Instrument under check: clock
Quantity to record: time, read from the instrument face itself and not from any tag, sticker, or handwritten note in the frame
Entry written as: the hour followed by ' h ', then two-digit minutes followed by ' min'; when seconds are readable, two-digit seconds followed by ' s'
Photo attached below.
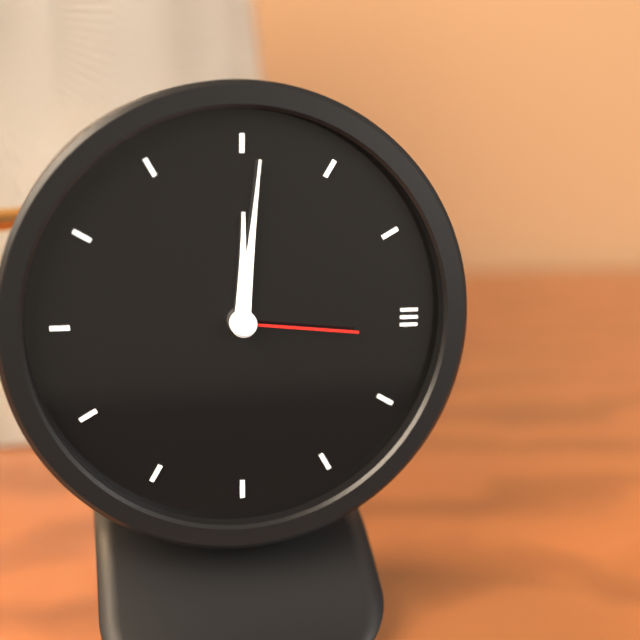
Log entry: 12 h 01 min 16 s
